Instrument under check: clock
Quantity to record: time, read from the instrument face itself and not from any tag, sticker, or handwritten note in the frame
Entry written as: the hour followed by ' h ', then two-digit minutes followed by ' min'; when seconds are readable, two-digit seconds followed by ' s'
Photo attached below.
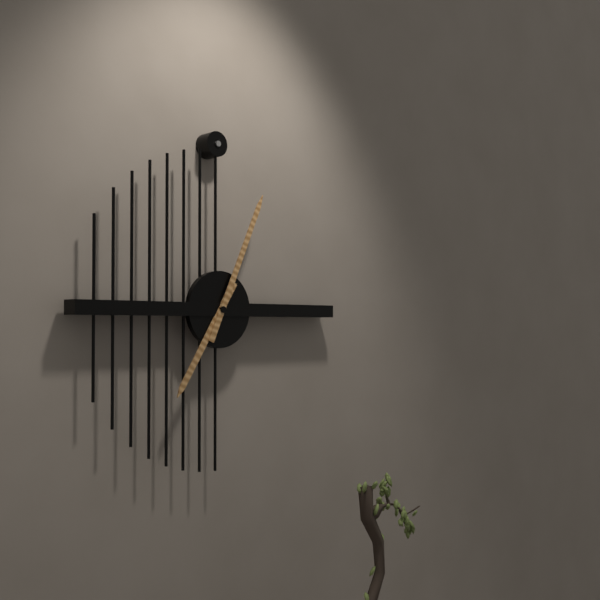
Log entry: 7 h 04 min
